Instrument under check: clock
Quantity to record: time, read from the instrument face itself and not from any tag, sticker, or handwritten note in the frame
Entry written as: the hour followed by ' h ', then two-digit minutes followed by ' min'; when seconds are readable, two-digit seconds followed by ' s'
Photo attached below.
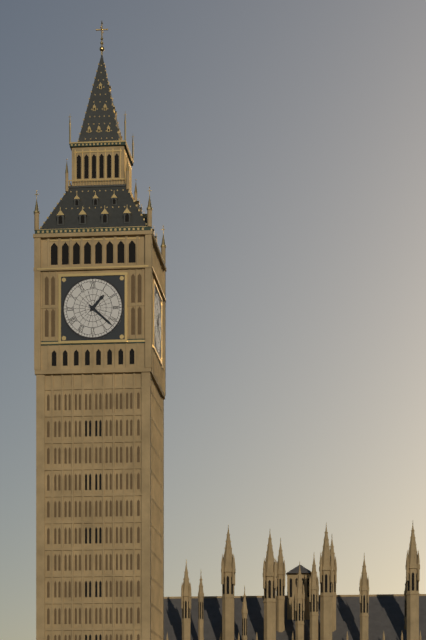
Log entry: 1 h 22 min
